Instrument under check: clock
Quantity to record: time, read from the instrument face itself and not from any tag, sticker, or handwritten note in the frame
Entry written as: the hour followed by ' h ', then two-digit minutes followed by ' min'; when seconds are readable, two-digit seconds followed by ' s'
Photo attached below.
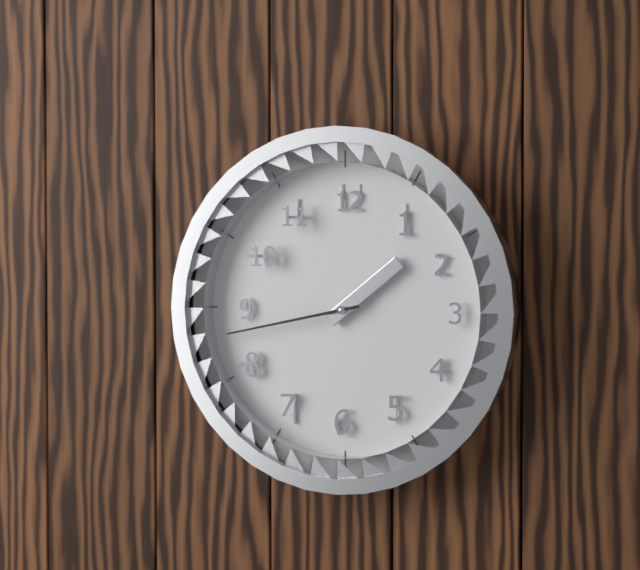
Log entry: 1 h 43 min
